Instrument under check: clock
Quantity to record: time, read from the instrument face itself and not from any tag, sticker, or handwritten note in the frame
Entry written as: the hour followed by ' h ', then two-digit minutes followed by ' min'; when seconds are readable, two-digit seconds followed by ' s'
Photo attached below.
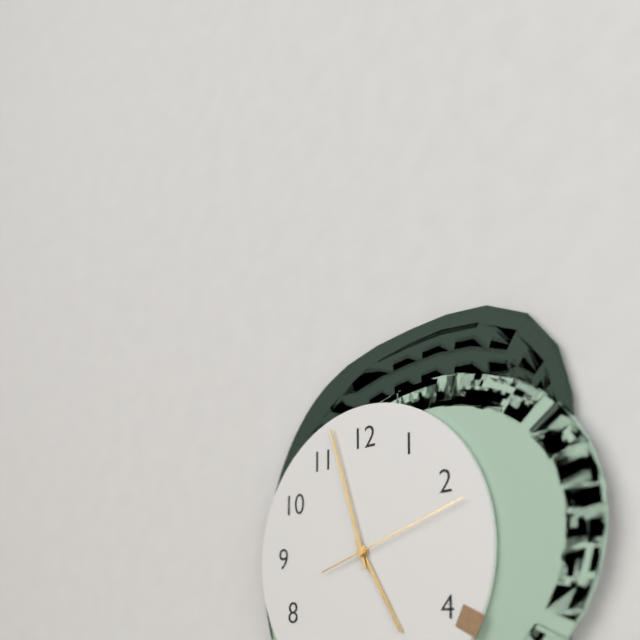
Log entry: 4 h 57 min 12 s
